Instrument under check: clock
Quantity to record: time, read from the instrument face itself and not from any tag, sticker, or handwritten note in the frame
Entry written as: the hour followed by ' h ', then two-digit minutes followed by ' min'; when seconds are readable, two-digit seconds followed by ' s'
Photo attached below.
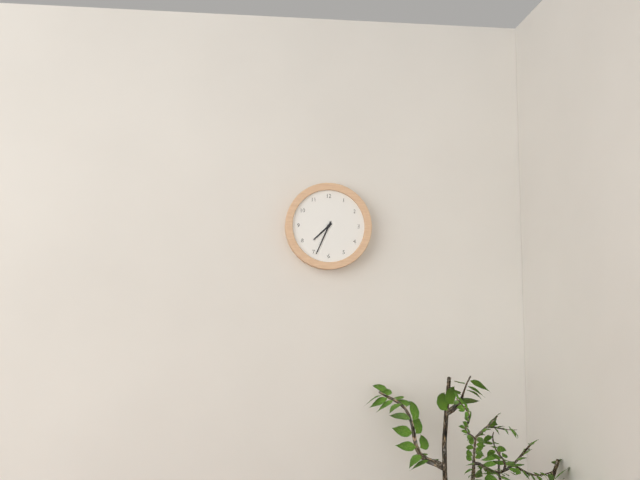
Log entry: 7 h 34 min
